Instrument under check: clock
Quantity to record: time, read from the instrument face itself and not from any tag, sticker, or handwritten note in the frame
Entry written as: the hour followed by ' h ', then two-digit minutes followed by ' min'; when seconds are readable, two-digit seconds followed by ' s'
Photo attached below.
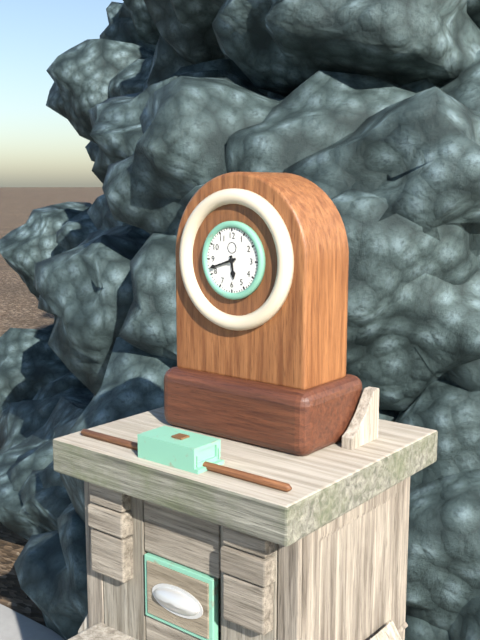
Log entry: 5 h 42 min
